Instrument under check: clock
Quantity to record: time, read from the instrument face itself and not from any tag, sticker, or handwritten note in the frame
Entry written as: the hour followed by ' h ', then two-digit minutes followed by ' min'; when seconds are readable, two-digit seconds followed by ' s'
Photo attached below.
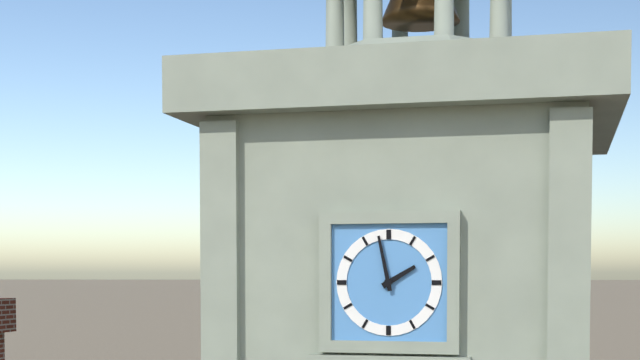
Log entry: 1 h 58 min
